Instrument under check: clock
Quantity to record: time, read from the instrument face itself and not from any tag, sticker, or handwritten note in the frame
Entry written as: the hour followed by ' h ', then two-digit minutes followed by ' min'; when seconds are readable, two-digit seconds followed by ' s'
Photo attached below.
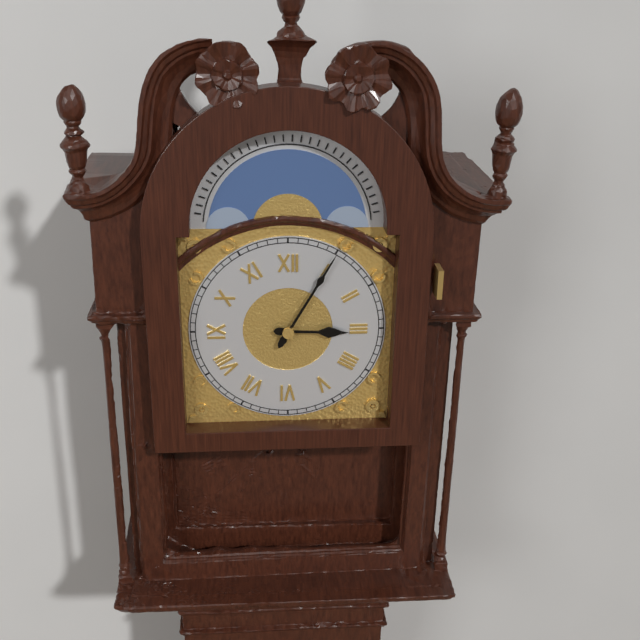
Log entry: 3 h 05 min
